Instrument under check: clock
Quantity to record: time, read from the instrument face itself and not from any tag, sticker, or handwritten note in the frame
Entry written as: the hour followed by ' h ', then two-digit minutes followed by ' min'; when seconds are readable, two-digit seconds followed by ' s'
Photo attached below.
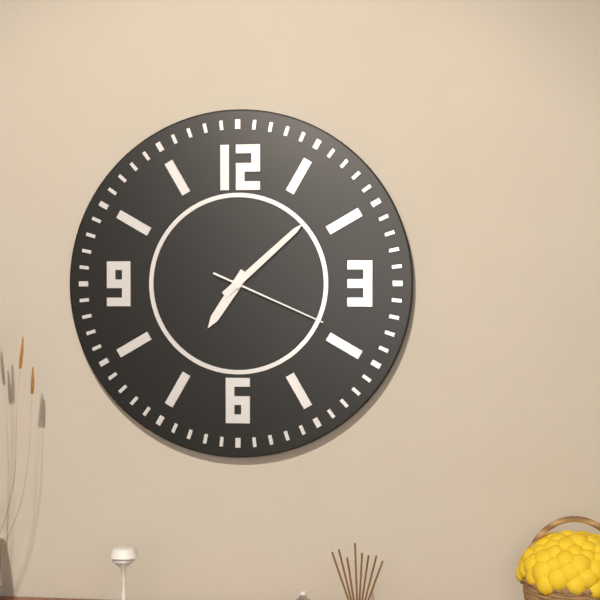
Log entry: 7 h 08 min 19 s
